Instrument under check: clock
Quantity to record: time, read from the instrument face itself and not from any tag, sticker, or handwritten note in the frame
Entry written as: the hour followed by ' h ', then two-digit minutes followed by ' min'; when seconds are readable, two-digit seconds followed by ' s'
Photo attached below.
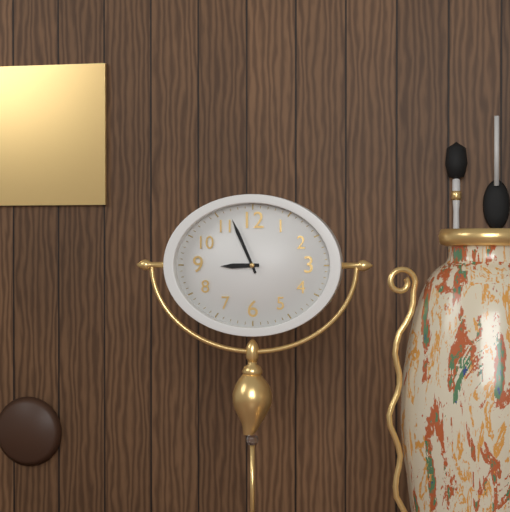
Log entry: 8 h 56 min
